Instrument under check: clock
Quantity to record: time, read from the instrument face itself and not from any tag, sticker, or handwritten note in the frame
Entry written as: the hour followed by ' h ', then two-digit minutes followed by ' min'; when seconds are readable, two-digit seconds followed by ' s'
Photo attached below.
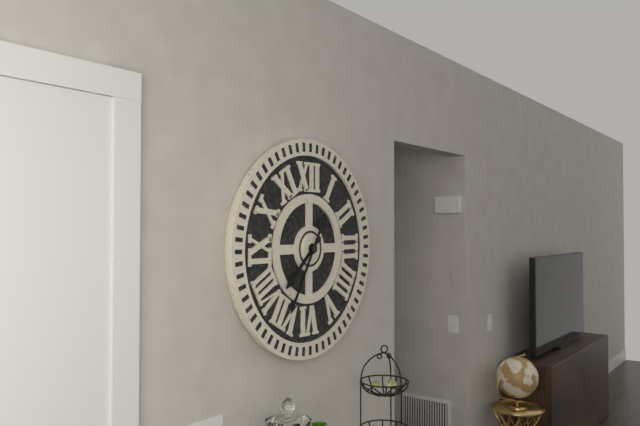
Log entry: 7 h 35 min
